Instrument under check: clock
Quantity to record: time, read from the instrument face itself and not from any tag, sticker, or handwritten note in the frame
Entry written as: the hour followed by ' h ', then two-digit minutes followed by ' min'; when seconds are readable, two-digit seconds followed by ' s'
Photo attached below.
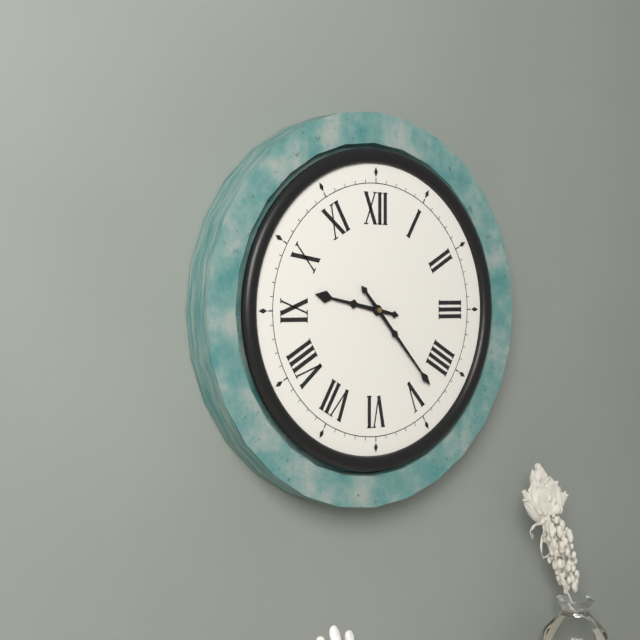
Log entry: 9 h 23 min
